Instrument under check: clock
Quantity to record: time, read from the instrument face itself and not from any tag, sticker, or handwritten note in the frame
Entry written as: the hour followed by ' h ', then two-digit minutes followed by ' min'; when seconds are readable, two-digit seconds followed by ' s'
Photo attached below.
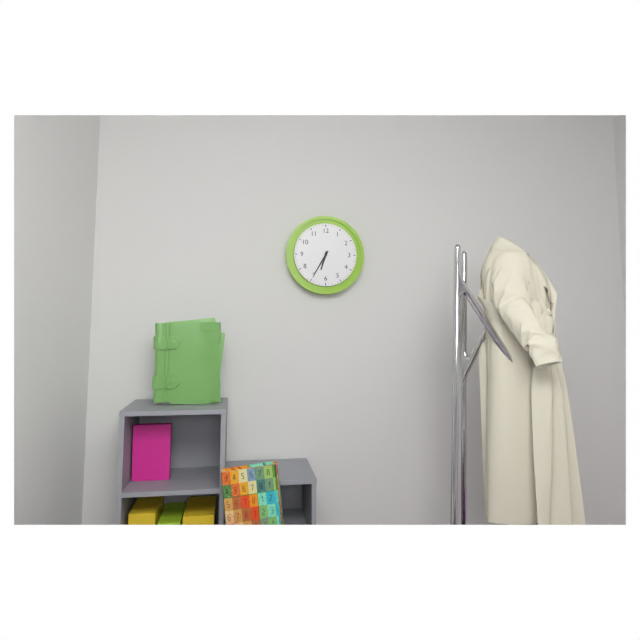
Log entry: 6 h 35 min
